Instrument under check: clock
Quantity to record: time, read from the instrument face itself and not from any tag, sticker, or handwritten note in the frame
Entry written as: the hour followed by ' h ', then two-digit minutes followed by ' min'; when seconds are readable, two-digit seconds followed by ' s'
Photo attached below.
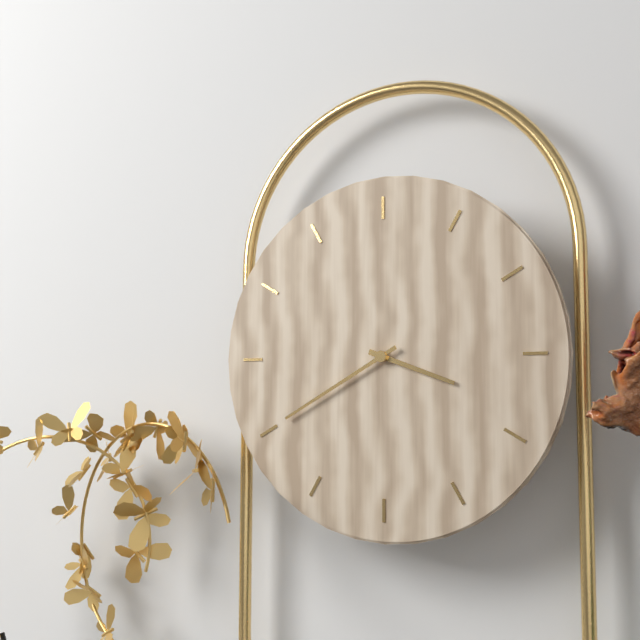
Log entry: 3 h 40 min
